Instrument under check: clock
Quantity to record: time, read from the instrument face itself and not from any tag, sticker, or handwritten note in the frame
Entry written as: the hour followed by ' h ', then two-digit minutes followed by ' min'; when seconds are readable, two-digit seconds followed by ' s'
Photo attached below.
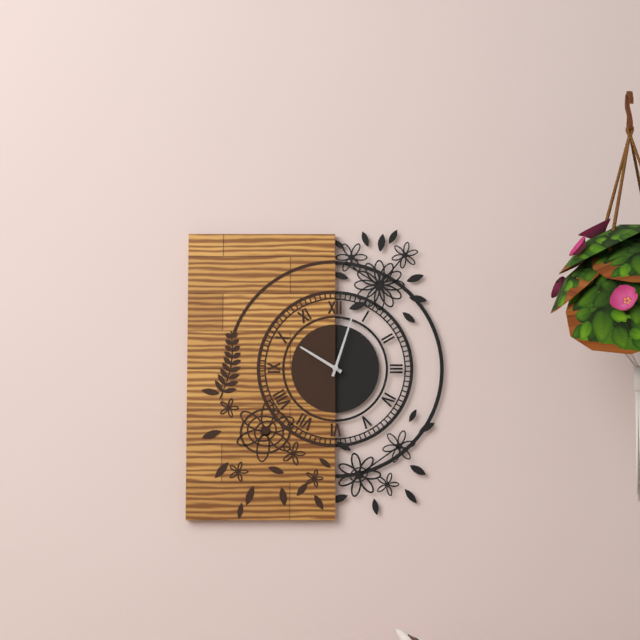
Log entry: 10 h 03 min
